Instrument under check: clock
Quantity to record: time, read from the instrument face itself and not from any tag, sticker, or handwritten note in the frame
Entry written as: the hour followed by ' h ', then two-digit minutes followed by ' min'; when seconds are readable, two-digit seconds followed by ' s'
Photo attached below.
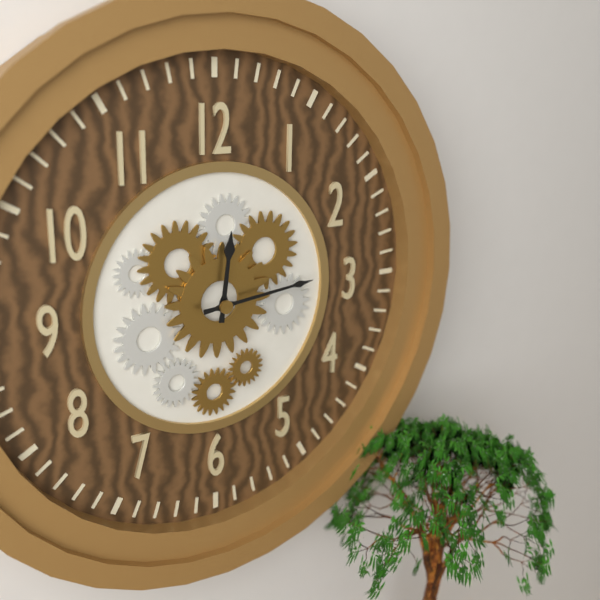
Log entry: 12 h 14 min
